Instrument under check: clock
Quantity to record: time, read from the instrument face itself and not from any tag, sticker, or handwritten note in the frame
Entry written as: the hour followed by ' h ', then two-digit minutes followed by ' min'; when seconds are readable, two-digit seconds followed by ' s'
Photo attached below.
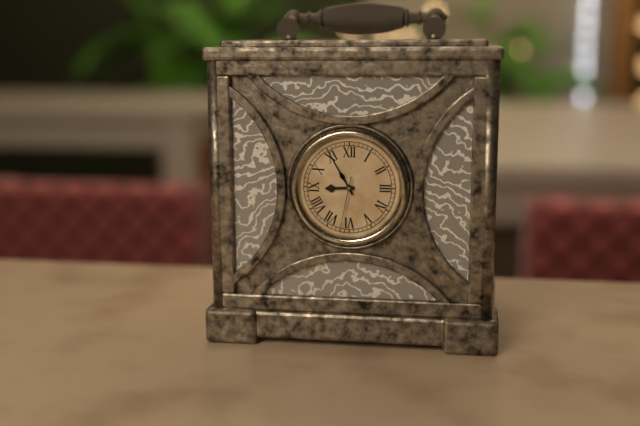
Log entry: 8 h 55 min 32 s
